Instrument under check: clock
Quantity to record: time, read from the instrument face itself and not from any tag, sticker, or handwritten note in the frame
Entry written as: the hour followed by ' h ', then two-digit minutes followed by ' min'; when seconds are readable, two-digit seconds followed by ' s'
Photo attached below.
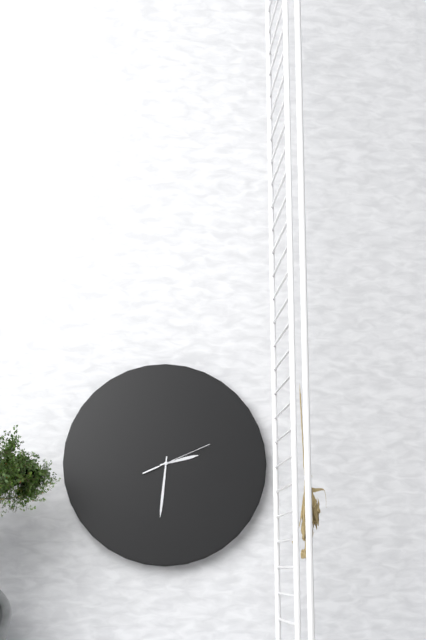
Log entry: 2 h 31 min 11 s
